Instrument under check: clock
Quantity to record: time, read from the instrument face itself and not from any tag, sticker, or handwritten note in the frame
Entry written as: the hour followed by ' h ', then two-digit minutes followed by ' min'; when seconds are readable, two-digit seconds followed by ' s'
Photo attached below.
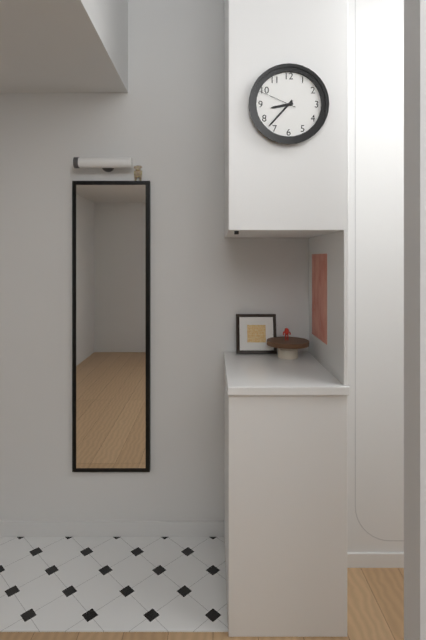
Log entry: 8 h 37 min
